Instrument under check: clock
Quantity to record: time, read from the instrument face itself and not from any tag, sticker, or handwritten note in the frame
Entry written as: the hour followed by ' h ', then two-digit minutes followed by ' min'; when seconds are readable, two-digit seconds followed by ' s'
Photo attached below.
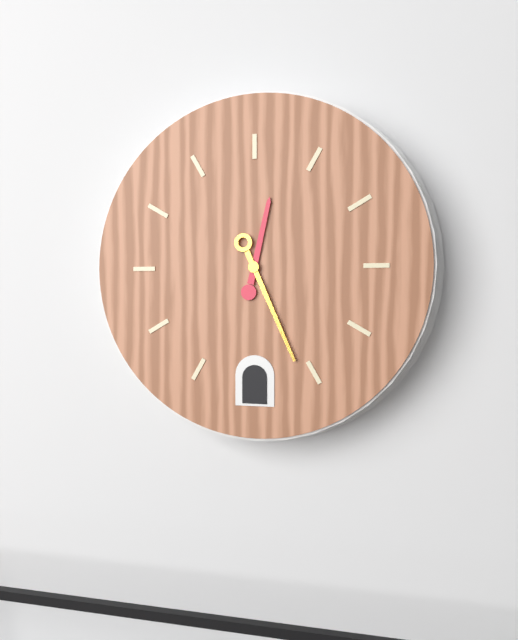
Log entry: 12 h 26 min
